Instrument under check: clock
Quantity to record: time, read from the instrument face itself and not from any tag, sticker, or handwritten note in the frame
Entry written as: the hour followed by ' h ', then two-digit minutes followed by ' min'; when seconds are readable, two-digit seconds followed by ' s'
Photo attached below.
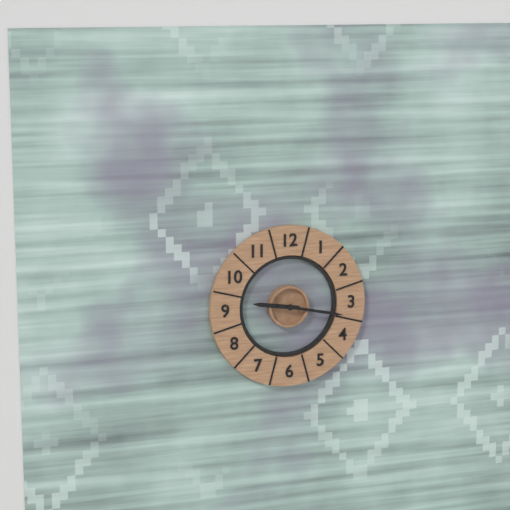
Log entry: 9 h 17 min
